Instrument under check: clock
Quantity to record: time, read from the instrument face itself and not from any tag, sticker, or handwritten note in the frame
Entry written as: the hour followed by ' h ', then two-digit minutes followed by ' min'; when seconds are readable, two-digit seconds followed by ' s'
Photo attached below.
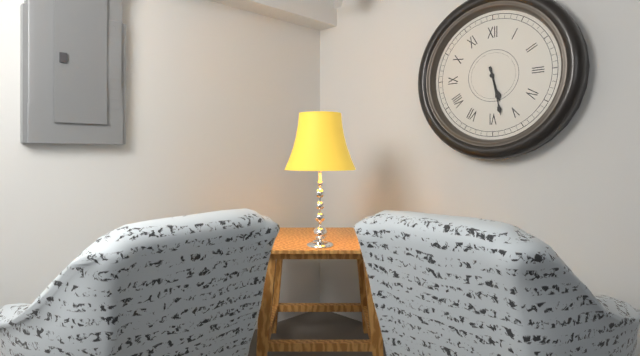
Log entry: 5 h 28 min
